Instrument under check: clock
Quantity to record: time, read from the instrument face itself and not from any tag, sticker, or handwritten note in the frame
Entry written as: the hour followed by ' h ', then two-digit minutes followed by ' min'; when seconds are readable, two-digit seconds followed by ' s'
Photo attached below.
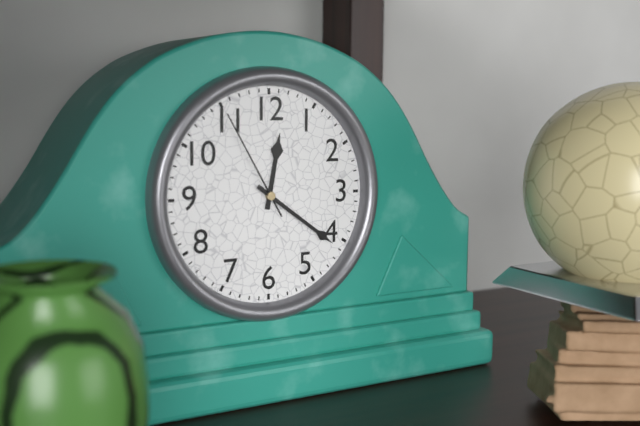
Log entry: 12 h 21 min 55 s
